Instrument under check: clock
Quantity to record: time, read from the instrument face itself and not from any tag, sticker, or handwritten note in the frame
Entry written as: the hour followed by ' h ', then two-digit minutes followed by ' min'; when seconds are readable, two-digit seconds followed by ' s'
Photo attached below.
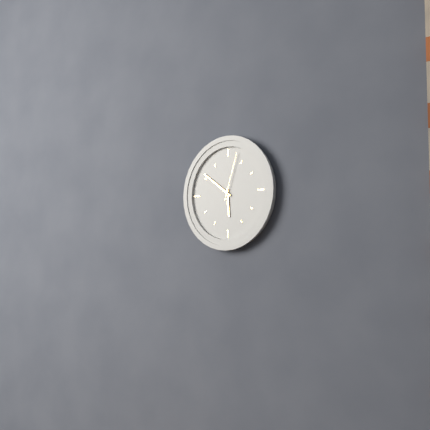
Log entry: 5 h 51 min 03 s
